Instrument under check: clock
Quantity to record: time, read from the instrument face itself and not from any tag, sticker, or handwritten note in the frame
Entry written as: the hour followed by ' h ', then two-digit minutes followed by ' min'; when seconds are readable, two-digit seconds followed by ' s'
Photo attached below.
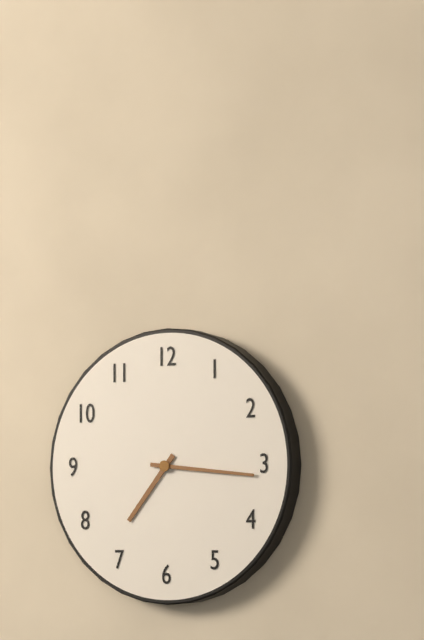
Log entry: 7 h 16 min
